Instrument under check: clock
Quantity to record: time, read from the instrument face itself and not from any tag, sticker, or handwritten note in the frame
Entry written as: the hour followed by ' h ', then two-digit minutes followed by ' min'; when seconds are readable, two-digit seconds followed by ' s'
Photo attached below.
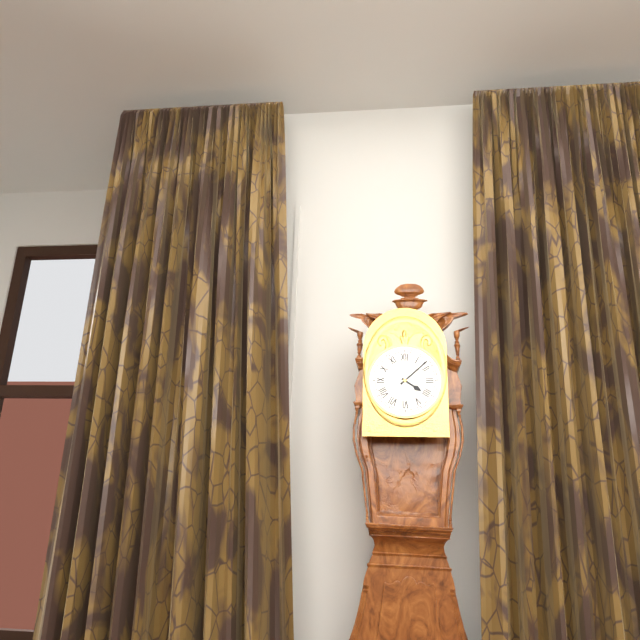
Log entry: 4 h 08 min
